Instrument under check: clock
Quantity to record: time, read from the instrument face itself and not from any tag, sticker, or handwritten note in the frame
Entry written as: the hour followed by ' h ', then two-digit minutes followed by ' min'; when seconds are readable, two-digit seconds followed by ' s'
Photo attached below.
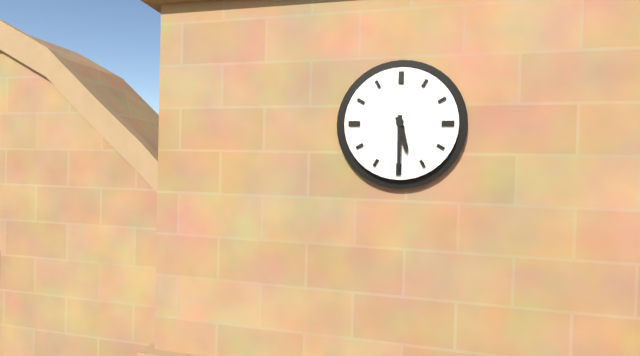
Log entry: 5 h 30 min
